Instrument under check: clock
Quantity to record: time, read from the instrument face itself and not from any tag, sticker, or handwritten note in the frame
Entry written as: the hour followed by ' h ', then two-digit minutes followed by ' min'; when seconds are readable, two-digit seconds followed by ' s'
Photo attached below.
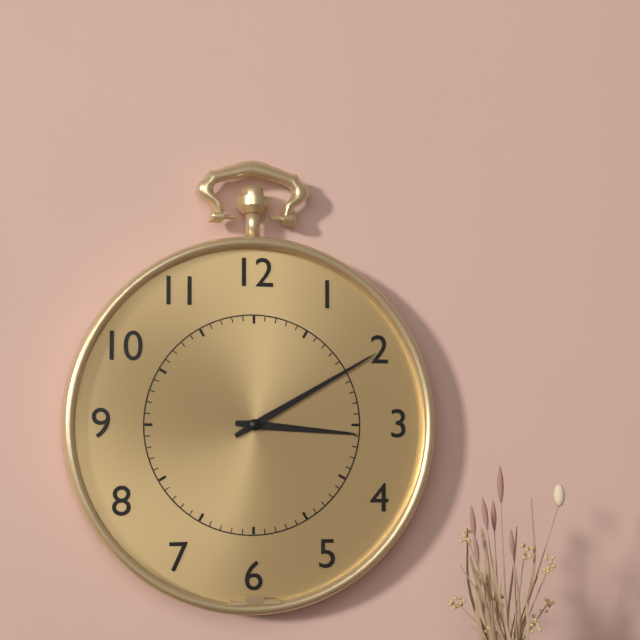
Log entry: 3 h 10 min
